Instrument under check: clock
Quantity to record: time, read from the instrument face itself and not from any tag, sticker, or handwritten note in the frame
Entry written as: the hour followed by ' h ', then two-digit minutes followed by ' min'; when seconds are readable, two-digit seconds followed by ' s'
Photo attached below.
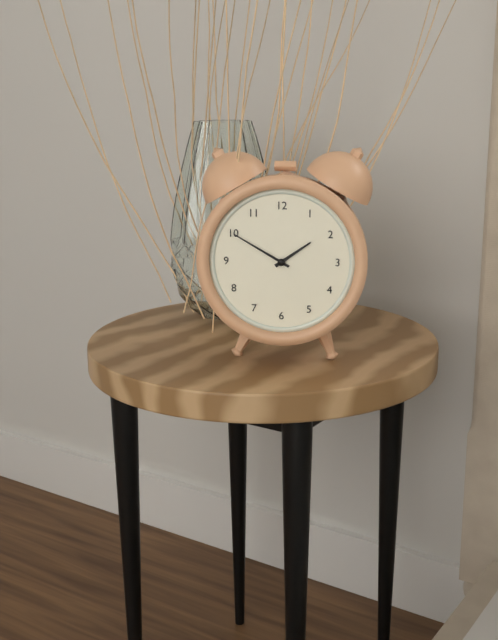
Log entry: 1 h 50 min
